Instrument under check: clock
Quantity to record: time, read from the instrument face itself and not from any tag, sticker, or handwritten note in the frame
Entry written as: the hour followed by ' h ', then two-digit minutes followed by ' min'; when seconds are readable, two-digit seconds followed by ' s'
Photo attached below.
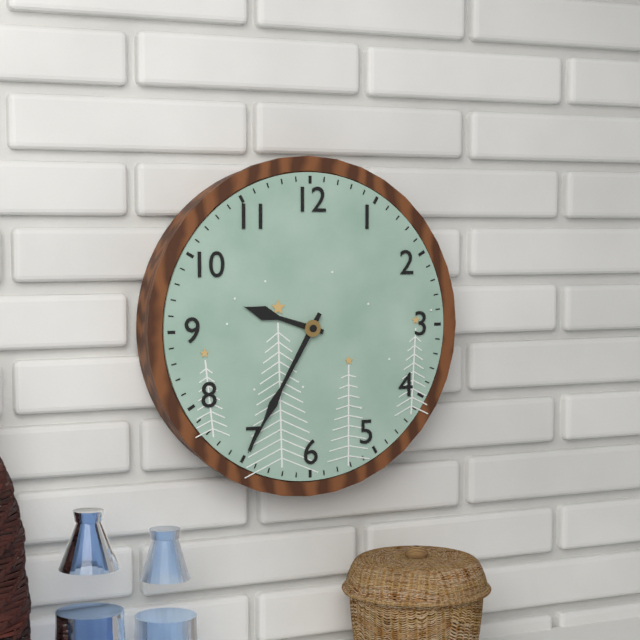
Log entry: 9 h 35 min
